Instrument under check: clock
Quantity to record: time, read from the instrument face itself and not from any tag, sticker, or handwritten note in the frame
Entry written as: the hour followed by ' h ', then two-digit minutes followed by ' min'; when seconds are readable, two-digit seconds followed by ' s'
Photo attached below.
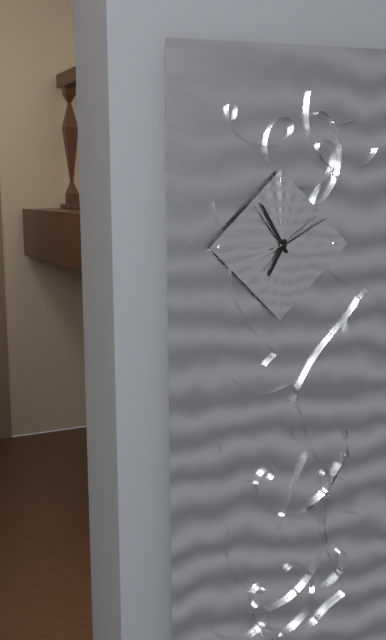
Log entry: 6 h 55 min 10 s
